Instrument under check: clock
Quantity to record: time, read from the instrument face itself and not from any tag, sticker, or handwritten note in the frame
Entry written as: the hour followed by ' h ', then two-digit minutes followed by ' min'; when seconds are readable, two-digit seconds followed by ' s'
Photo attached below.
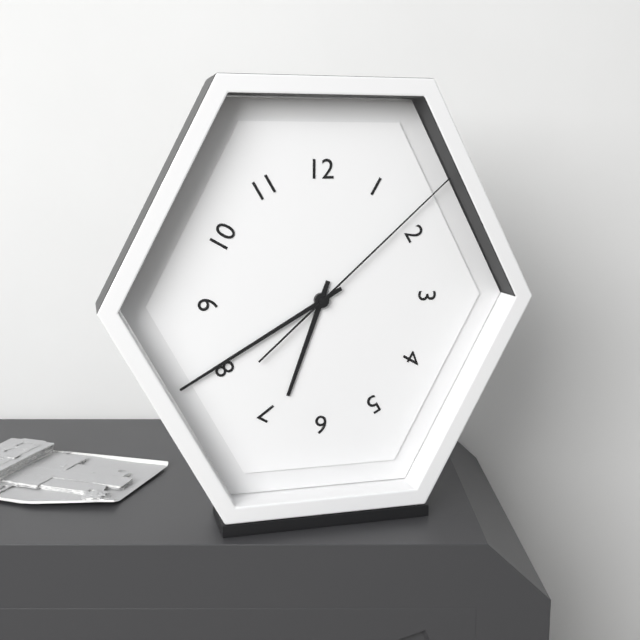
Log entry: 6 h 40 min 08 s
